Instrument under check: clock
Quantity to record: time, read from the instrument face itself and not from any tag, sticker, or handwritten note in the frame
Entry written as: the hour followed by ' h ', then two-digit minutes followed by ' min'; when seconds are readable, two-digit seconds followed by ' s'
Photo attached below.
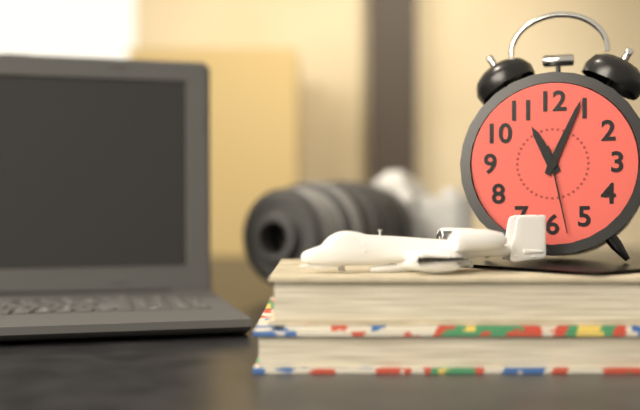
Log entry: 11 h 04 min 28 s
